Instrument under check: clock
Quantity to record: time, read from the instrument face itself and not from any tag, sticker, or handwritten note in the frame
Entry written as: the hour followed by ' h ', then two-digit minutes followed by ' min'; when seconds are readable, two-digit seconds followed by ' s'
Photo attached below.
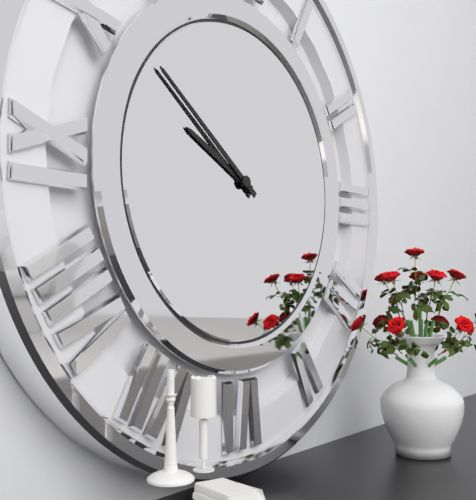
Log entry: 9 h 51 min
